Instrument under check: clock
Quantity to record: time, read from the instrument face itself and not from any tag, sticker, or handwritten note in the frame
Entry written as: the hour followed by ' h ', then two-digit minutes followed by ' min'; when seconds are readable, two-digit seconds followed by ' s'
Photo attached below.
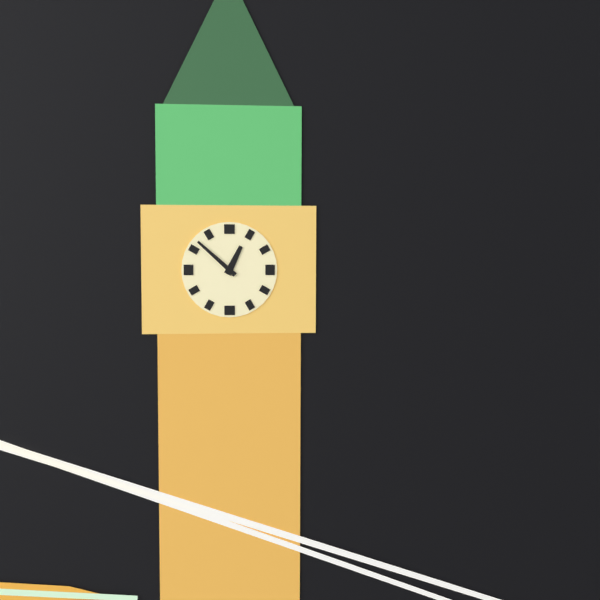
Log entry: 12 h 52 min
